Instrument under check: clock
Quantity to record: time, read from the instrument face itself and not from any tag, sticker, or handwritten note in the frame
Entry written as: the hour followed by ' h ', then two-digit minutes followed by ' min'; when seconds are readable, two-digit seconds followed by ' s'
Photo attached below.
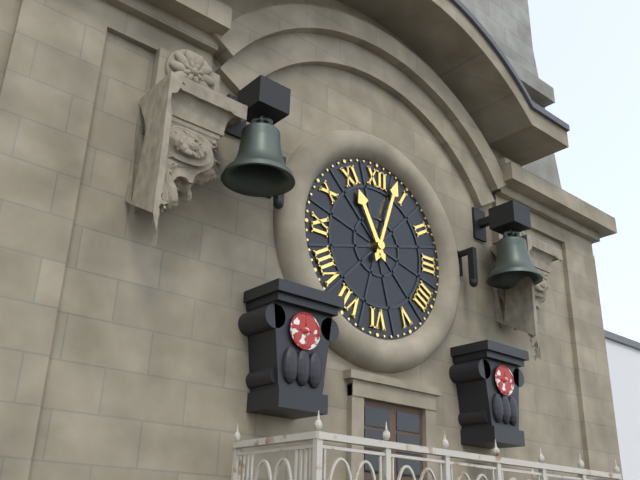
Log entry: 11 h 03 min
